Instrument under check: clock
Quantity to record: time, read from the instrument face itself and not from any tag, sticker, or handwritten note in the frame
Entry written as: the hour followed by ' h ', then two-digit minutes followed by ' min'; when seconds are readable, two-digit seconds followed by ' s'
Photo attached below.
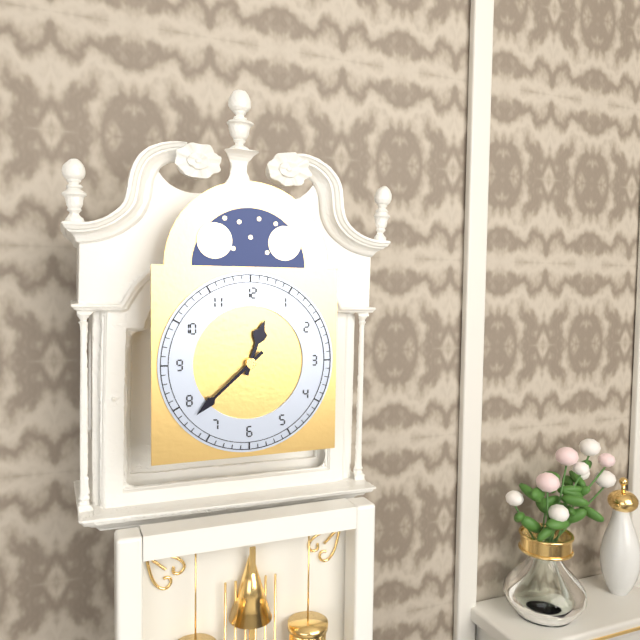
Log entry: 12 h 38 min
